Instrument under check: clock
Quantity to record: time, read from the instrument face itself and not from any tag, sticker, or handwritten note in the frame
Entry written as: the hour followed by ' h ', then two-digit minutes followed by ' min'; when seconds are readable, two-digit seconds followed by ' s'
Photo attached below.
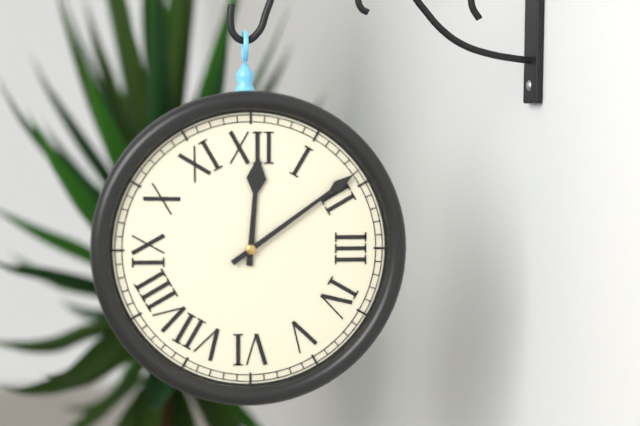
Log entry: 12 h 09 min
